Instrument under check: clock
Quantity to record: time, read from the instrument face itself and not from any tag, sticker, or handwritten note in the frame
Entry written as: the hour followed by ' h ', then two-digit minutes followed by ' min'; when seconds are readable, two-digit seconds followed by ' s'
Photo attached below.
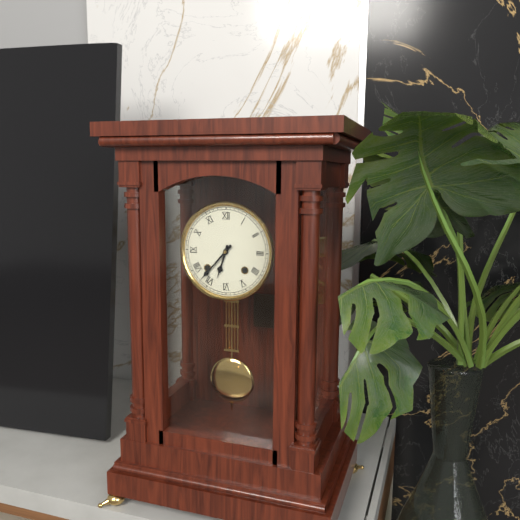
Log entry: 6 h 37 min
